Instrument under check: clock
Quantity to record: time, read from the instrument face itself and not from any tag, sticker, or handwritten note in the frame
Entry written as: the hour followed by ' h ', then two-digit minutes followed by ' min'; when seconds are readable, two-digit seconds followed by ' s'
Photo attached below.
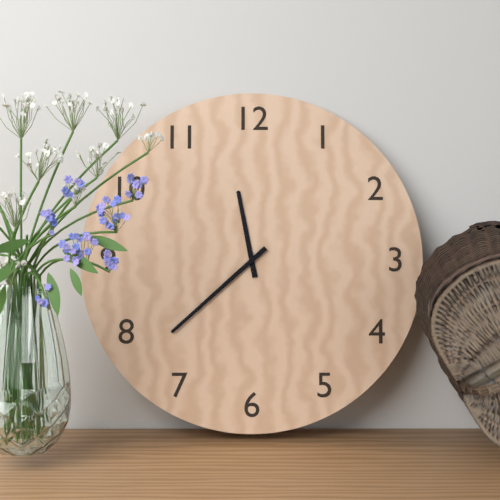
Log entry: 11 h 38 min
